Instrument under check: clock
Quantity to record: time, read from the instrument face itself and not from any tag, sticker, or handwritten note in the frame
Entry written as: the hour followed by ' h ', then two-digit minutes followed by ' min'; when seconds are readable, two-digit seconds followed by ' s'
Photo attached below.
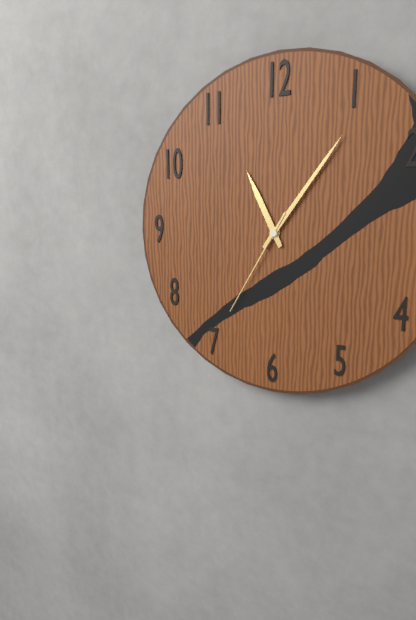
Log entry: 11 h 06 min 35 s
